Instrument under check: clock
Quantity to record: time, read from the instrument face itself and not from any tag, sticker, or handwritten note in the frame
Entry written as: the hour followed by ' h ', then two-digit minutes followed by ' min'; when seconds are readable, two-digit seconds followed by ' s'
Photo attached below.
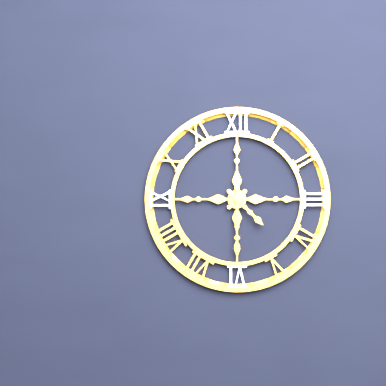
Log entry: 4 h 30 min
